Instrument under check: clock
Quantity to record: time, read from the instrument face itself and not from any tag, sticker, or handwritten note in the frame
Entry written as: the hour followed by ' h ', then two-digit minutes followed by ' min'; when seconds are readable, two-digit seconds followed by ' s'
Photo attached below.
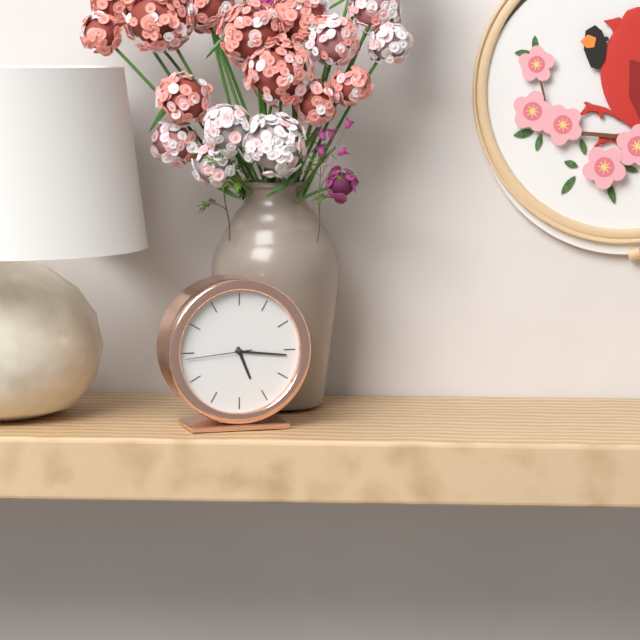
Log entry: 5 h 16 min 44 s
